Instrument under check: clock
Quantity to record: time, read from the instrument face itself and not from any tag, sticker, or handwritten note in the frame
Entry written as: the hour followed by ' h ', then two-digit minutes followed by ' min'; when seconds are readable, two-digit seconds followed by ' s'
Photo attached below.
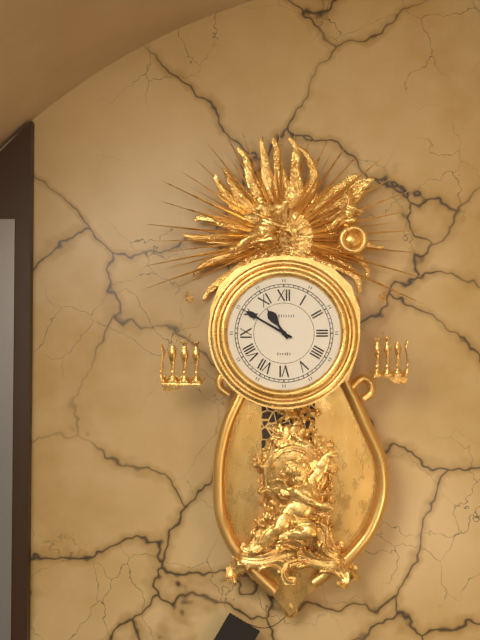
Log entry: 10 h 50 min
